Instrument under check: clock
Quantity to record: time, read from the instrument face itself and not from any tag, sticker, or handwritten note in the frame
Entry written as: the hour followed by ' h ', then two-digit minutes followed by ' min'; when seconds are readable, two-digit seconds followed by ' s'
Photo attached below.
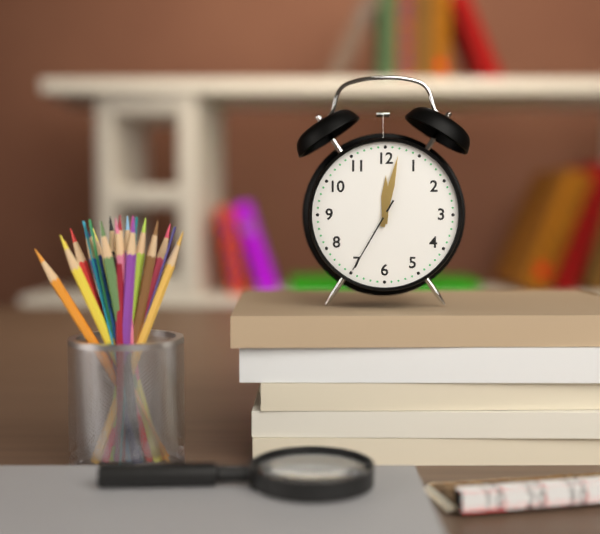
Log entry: 12 h 02 min 35 s
